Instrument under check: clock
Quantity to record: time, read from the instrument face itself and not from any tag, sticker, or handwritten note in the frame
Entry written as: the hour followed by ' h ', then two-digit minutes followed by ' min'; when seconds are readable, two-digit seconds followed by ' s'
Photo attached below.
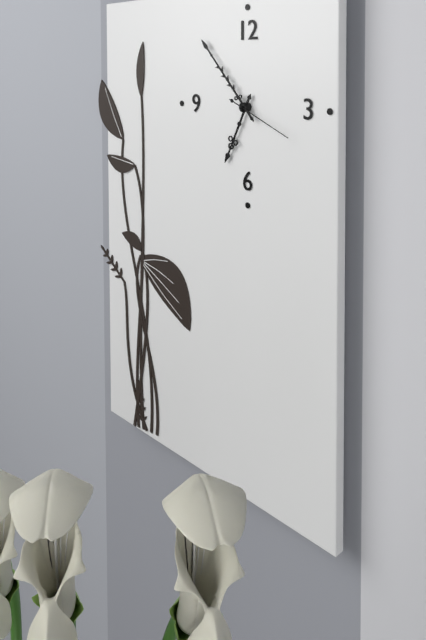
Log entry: 6 h 53 min 19 s
